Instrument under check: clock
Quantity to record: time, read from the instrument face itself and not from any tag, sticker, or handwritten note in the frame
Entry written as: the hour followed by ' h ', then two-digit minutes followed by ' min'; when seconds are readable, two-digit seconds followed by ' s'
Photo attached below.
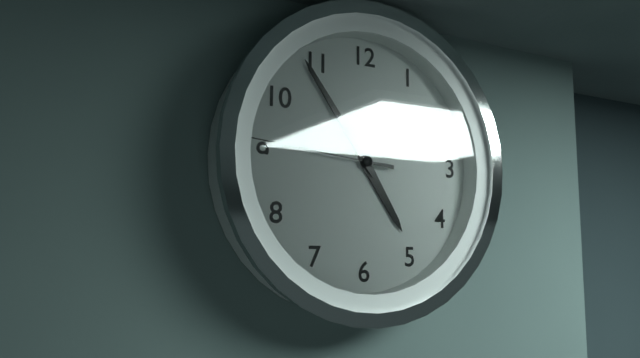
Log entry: 4 h 54 min 46 s
